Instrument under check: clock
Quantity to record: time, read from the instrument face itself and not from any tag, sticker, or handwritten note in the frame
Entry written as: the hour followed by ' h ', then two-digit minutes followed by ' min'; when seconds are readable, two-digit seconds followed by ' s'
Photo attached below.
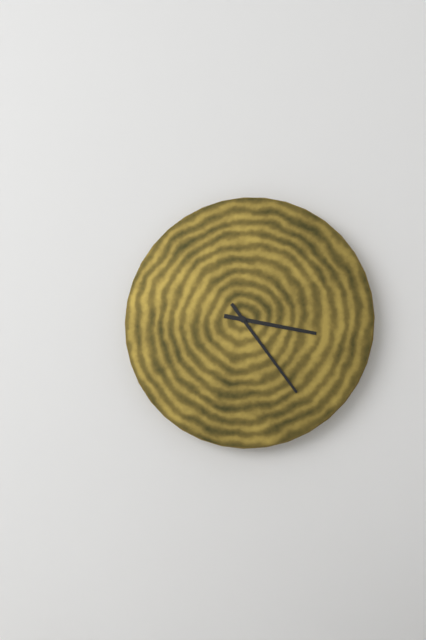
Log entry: 3 h 24 min
